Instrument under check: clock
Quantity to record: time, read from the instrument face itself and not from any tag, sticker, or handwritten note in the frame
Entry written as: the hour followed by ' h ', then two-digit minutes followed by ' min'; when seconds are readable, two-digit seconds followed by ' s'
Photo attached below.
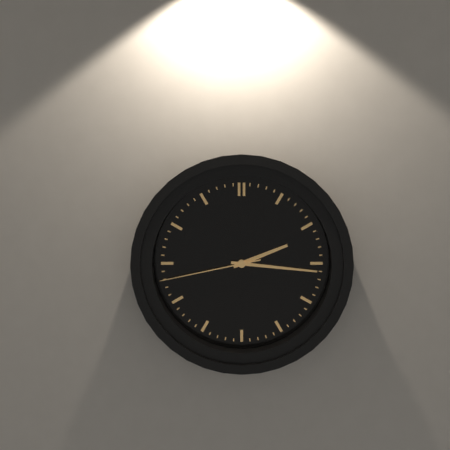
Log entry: 2 h 16 min 43 s
